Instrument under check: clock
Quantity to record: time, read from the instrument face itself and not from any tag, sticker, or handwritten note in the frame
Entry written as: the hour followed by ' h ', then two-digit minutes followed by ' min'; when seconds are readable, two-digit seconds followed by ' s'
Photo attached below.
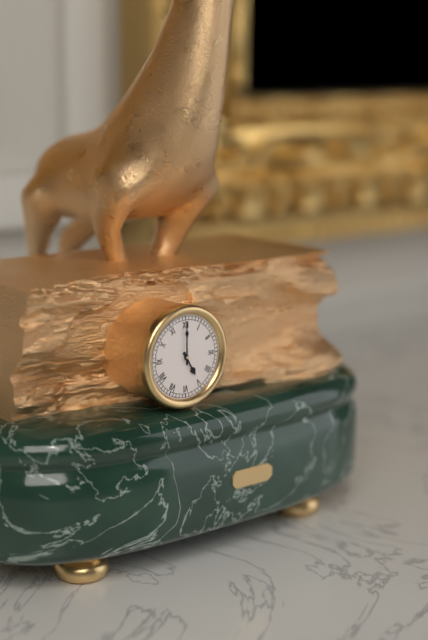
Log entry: 5 h 00 min
